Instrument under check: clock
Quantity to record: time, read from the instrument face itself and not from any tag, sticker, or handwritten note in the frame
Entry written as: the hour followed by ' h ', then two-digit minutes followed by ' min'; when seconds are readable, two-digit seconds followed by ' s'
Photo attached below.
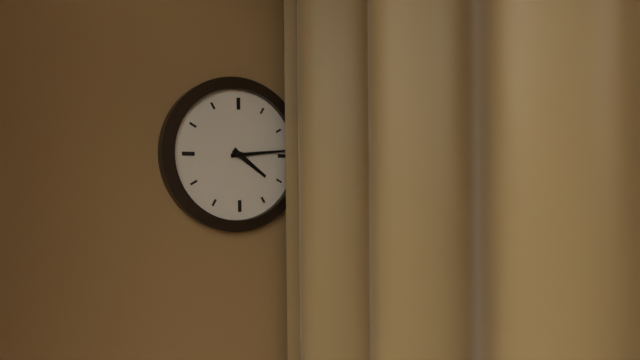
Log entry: 4 h 14 min
